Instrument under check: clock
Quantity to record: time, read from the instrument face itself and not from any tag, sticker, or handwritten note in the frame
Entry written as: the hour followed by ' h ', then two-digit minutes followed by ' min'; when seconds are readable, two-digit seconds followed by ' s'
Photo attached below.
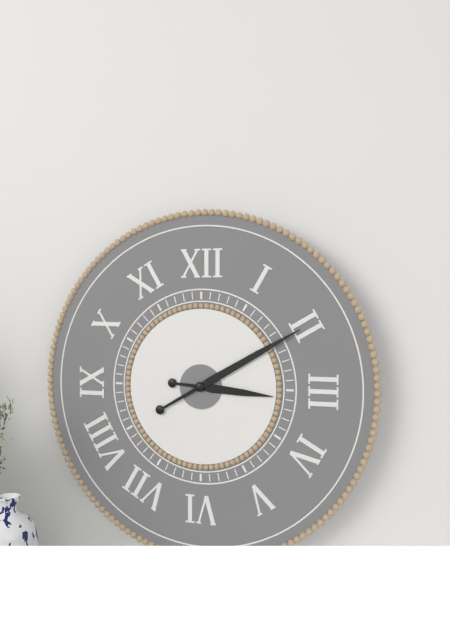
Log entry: 3 h 10 min
